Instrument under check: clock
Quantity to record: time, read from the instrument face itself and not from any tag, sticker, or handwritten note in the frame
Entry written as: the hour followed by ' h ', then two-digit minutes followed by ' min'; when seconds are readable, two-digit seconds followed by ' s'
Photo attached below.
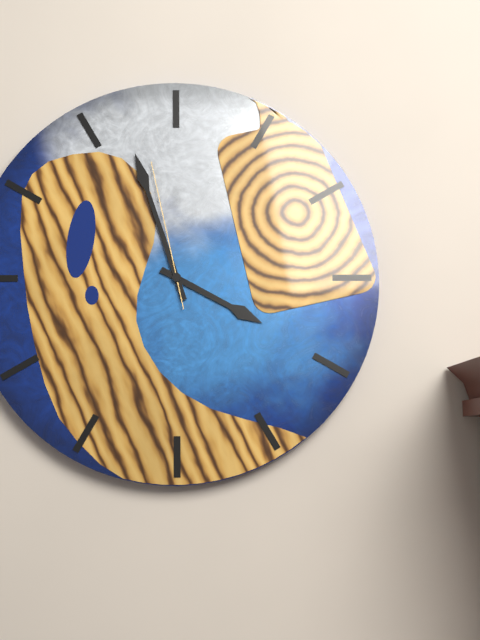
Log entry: 3 h 57 min 58 s
